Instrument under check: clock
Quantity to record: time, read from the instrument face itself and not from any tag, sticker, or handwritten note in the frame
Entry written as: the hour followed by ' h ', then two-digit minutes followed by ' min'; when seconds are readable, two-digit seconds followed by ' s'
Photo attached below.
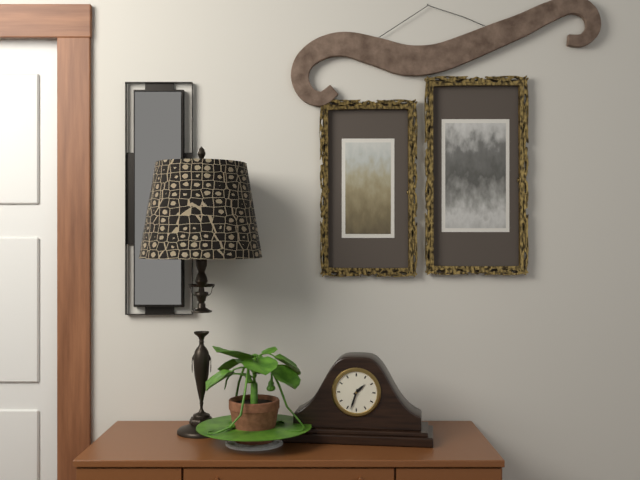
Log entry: 1 h 33 min
